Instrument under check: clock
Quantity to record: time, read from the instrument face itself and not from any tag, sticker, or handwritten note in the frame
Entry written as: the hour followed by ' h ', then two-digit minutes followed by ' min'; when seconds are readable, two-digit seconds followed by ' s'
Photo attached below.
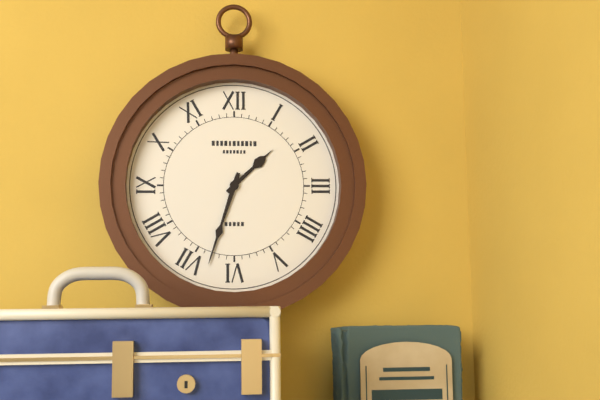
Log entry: 1 h 33 min
